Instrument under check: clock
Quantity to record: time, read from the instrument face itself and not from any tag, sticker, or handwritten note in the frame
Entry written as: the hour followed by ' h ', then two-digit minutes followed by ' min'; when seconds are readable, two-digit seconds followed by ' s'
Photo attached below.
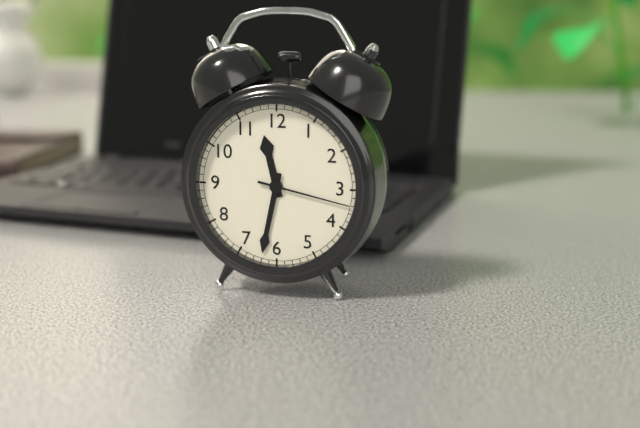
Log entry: 11 h 32 min 17 s
